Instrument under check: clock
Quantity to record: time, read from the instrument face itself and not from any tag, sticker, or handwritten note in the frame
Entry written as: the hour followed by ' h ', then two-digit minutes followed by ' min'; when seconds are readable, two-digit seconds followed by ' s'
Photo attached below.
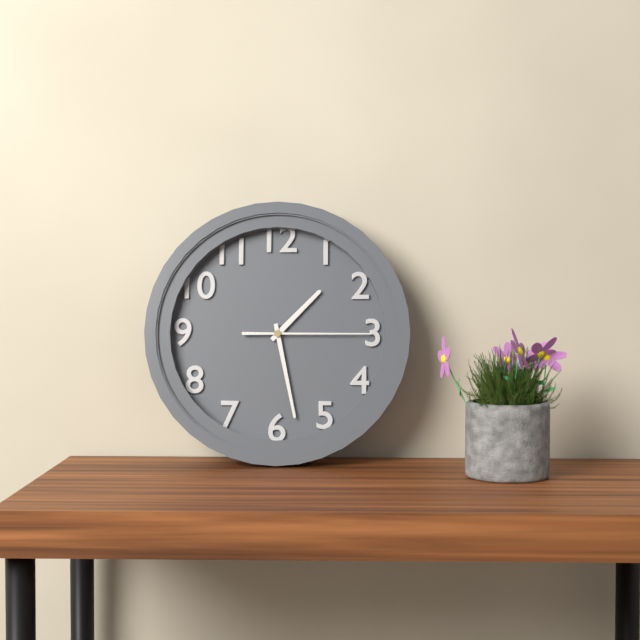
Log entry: 1 h 28 min 15 s
